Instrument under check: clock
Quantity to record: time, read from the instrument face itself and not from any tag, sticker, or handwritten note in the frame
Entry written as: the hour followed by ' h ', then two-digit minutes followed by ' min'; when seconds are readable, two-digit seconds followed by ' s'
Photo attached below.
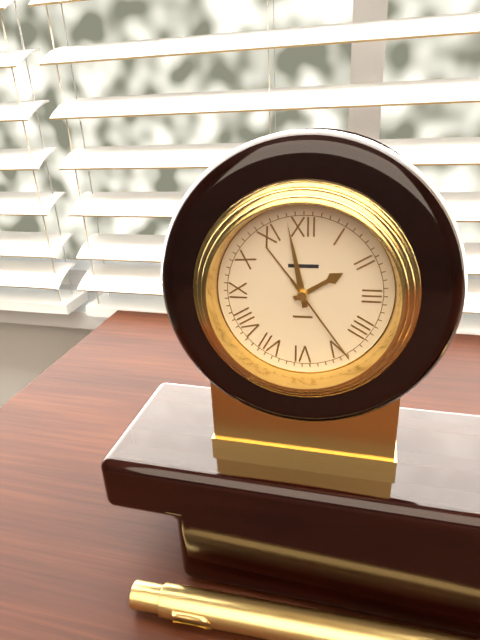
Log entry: 1 h 58 min 24 s
